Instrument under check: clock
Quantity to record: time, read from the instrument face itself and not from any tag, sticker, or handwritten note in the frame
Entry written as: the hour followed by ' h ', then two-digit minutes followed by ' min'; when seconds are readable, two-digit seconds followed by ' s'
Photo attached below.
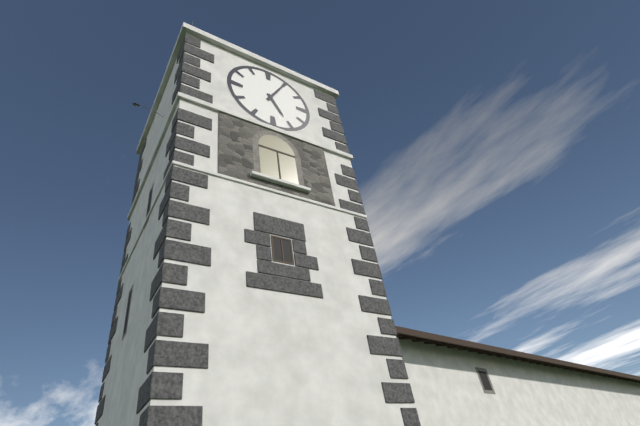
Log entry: 5 h 05 min
